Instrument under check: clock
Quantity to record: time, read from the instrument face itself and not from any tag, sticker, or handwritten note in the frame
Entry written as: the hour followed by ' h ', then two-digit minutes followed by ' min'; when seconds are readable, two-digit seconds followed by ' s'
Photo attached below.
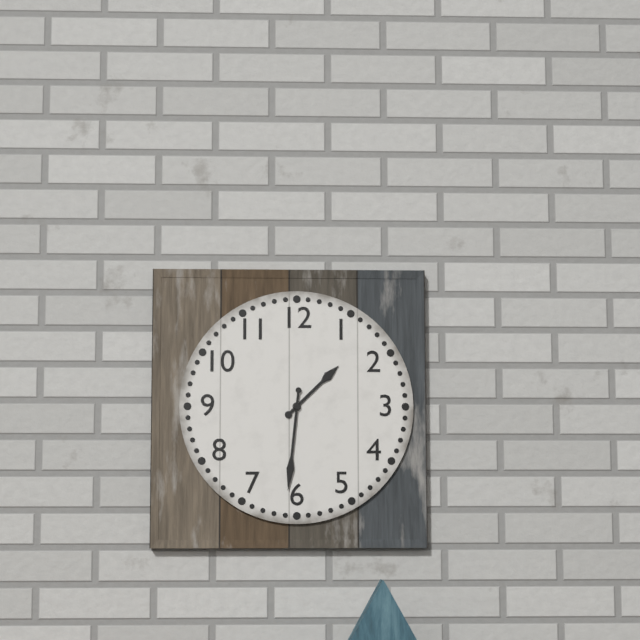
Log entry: 1 h 31 min
